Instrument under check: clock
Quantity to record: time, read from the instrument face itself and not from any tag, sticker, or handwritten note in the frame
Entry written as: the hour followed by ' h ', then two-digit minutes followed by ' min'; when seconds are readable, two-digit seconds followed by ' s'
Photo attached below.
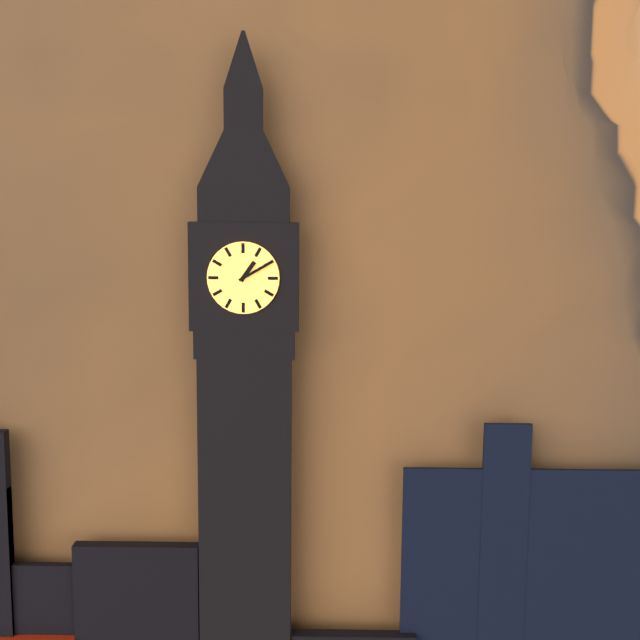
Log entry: 1 h 10 min
